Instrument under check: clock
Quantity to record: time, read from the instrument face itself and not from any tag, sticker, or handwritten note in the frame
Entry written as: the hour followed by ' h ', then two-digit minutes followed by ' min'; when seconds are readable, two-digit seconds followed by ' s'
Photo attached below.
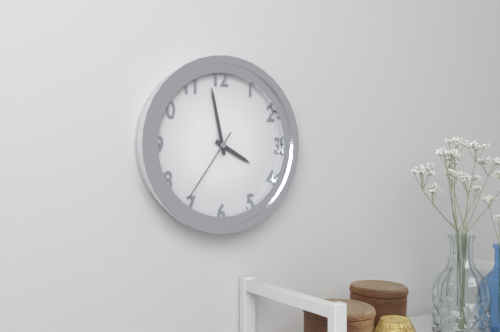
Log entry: 3 h 58 min 36 s
